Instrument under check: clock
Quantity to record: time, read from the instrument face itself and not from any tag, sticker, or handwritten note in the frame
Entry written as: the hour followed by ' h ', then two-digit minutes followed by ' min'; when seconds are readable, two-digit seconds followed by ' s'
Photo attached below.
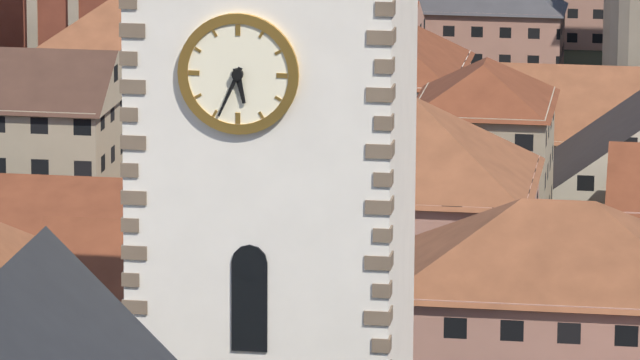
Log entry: 5 h 34 min
